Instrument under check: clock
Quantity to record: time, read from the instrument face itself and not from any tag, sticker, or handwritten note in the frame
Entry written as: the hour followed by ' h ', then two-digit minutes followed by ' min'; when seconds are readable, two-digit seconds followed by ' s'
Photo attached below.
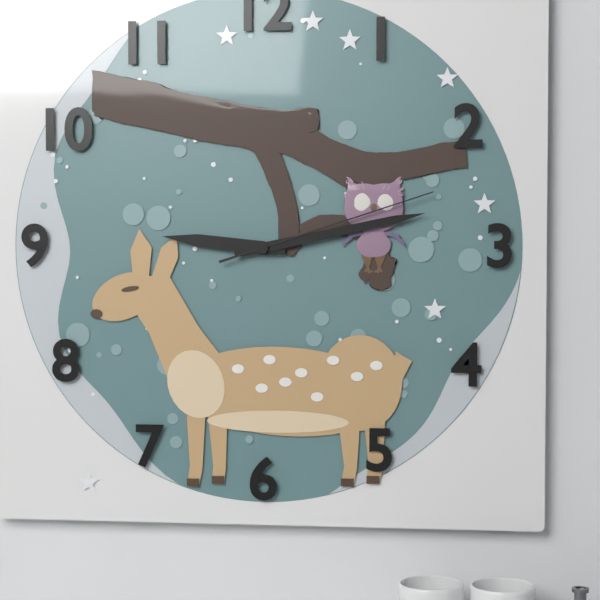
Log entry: 9 h 13 min 12 s
